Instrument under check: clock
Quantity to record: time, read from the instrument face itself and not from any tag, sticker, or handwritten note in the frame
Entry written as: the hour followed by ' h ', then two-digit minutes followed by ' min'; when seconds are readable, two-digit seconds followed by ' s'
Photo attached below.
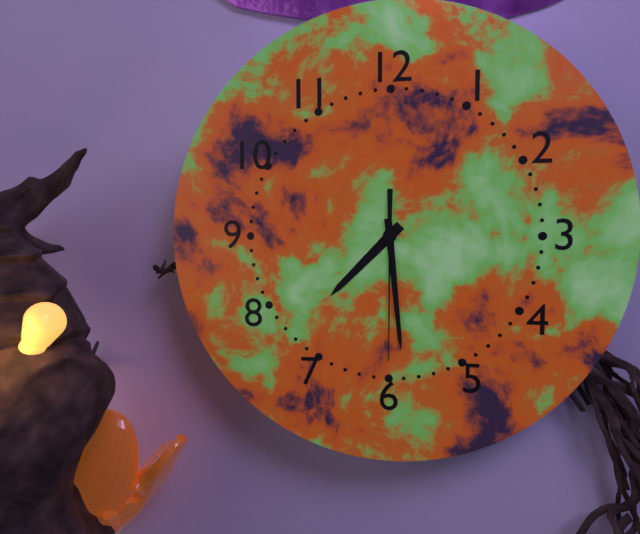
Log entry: 7 h 29 min 30 s
